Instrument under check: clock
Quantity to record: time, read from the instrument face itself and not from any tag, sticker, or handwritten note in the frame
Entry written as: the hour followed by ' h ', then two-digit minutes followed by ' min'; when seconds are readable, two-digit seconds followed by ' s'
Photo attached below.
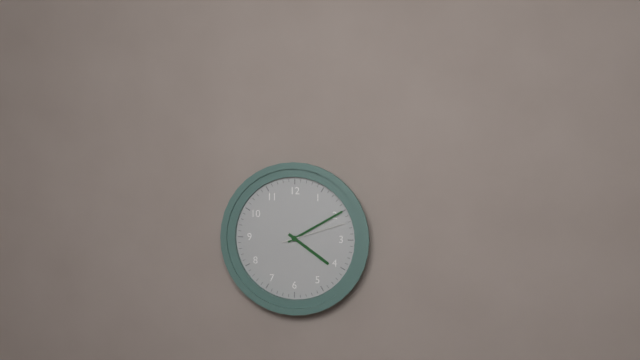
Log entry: 4 h 10 min 12 s
